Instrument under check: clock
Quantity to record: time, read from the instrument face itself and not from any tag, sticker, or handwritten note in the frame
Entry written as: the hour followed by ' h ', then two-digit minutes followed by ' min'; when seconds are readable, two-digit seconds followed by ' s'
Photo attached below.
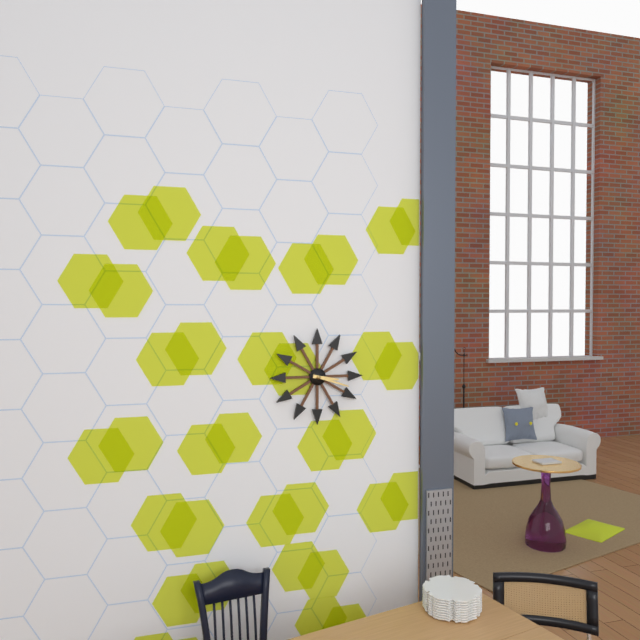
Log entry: 3 h 18 min
